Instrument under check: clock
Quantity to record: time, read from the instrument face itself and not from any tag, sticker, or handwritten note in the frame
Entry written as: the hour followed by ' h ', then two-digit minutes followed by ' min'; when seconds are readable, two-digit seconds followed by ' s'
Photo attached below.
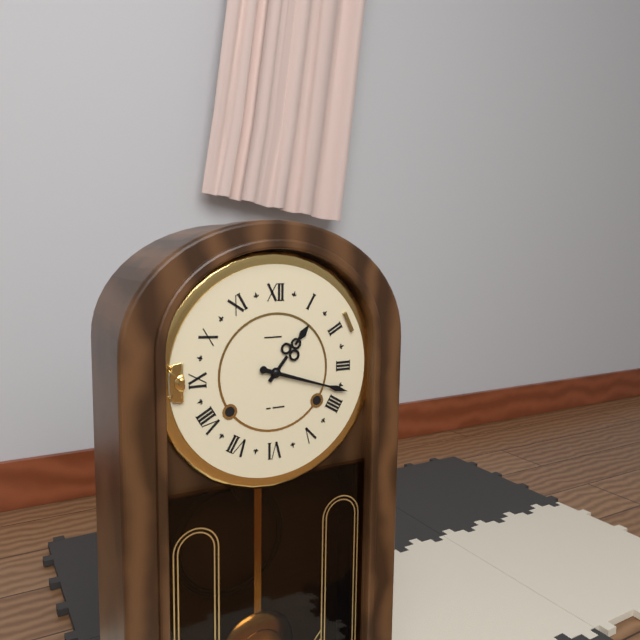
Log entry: 1 h 18 min
